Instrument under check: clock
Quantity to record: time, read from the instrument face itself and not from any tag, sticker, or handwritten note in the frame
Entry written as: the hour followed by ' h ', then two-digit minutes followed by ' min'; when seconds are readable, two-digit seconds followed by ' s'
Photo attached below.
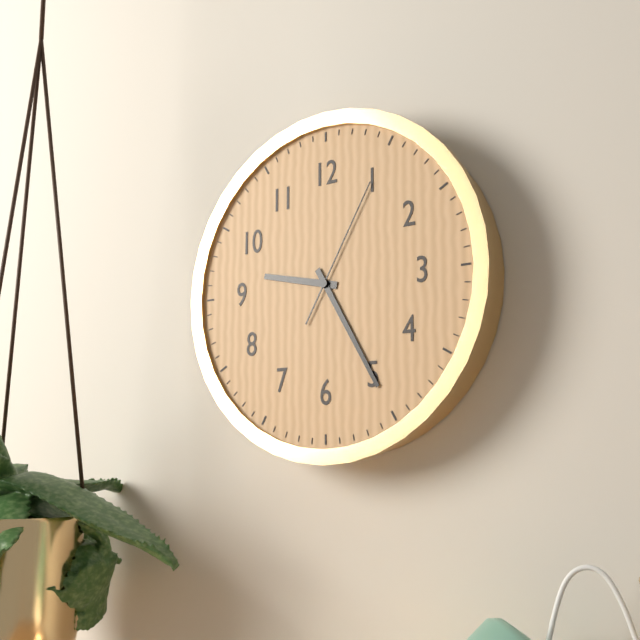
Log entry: 9 h 25 min 05 s
